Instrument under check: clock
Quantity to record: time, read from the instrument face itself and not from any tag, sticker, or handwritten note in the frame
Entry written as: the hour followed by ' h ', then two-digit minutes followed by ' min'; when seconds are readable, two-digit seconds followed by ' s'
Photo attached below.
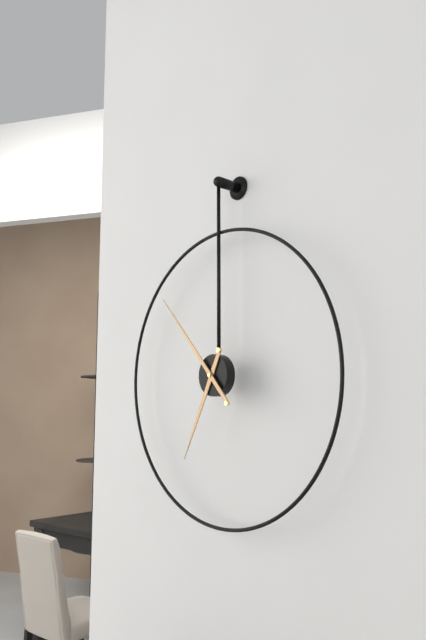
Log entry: 6 h 53 min
